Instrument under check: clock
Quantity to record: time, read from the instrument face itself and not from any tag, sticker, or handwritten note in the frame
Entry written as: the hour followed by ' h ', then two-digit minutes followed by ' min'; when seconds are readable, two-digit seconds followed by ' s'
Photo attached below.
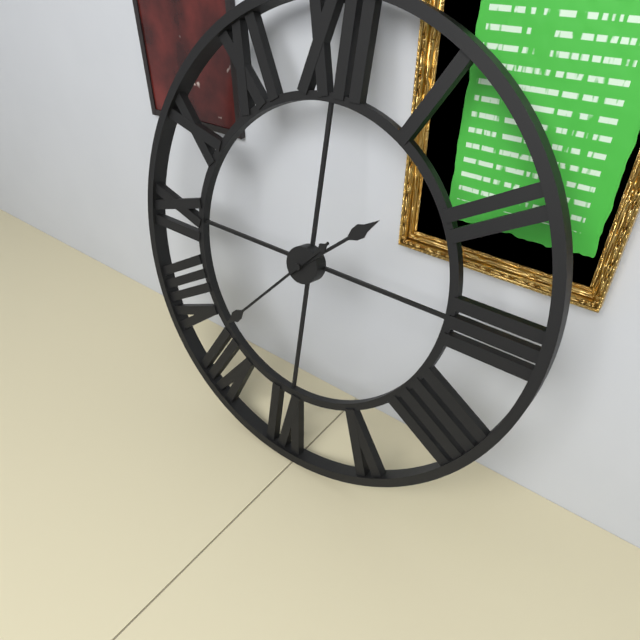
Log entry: 1 h 37 min
